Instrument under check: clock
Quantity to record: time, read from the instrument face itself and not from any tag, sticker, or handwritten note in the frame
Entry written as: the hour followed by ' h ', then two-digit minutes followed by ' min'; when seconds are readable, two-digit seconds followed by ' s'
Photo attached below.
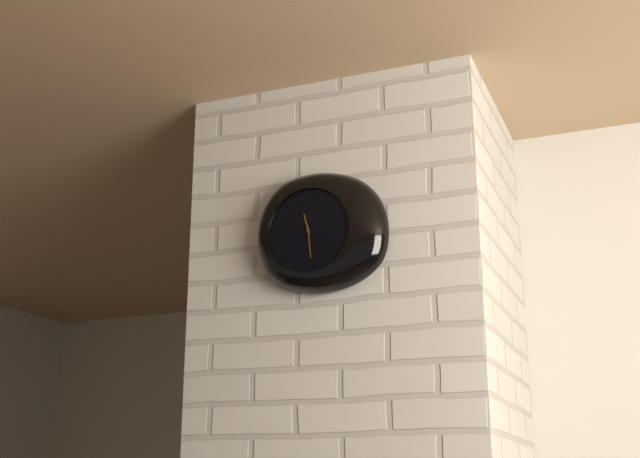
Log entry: 11 h 29 min
